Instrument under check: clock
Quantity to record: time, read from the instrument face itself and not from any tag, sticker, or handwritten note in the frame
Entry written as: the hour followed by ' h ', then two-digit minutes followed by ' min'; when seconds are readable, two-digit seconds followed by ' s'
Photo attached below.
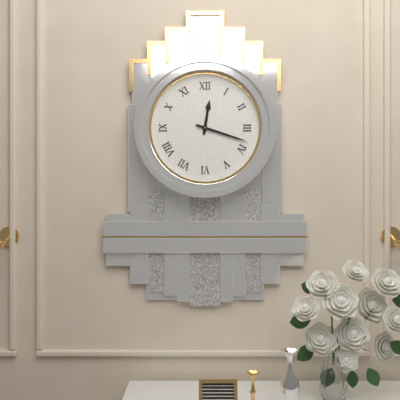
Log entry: 12 h 18 min
